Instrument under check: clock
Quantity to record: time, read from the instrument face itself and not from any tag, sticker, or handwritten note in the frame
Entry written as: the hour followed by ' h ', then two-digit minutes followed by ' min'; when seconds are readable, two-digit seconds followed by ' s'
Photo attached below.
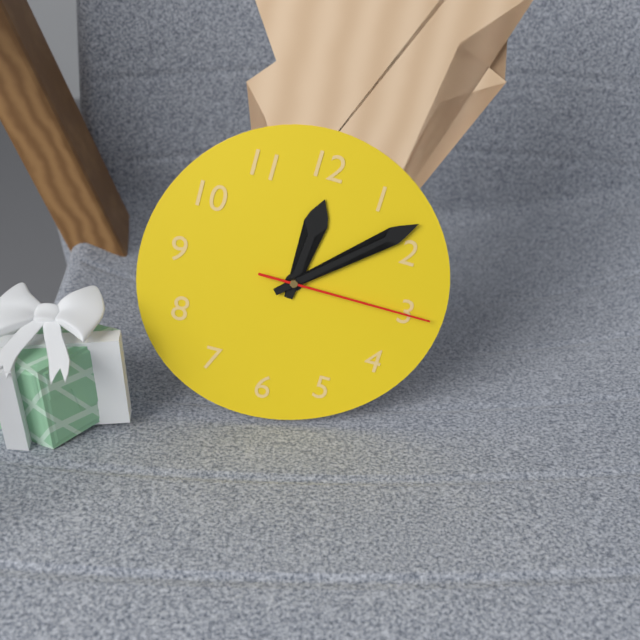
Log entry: 12 h 08 min 15 s
